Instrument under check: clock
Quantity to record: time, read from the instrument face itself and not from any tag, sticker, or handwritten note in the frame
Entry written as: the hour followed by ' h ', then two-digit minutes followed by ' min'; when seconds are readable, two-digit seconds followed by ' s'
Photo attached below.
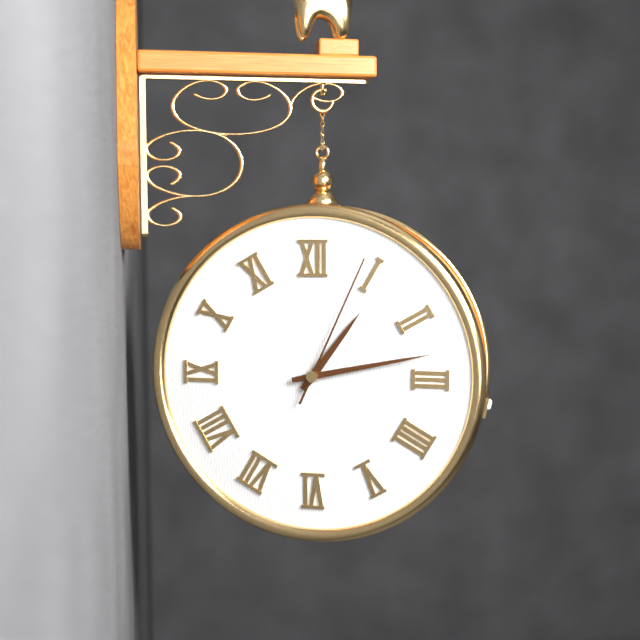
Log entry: 1 h 13 min 04 s
